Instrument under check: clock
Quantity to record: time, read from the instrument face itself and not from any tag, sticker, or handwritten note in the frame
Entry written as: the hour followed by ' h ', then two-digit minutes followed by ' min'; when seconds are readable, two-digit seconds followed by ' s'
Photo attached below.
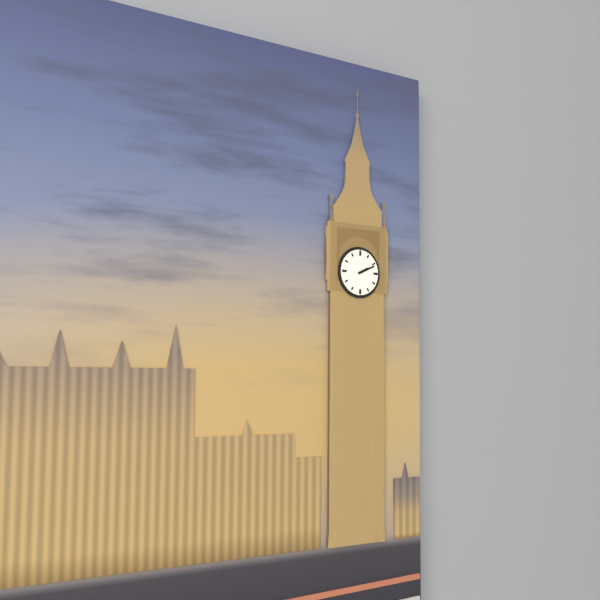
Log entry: 2 h 11 min
